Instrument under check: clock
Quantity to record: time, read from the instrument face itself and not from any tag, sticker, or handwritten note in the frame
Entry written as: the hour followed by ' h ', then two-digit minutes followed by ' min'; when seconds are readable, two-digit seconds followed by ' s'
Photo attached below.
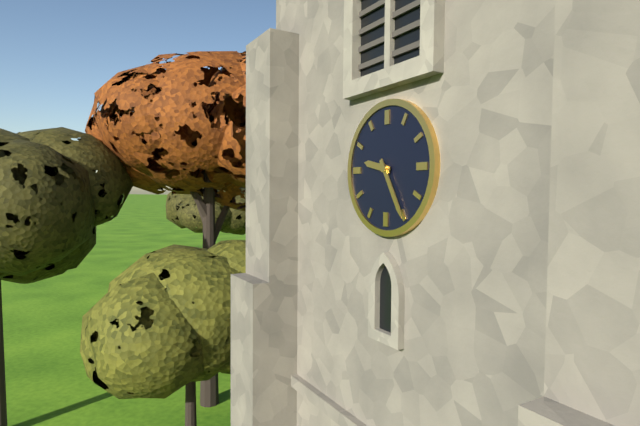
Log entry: 9 h 25 min
